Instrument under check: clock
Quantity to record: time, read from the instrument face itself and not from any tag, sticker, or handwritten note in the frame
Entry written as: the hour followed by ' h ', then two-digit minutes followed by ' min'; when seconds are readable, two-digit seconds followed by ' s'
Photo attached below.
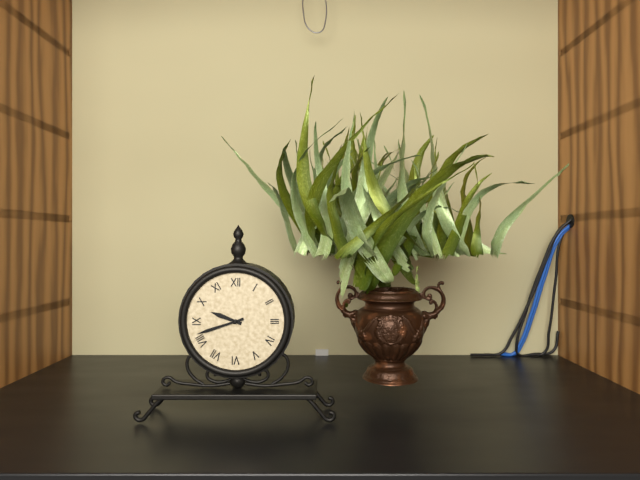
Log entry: 9 h 42 min
